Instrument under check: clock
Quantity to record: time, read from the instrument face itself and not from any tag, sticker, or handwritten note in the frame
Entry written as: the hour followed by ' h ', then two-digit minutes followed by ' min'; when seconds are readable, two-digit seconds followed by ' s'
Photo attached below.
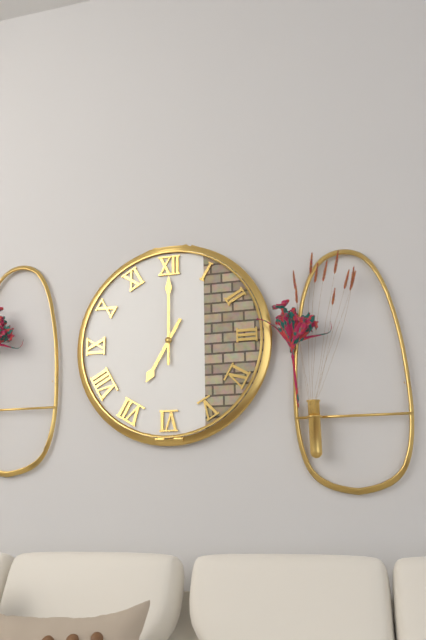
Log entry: 7 h 00 min
